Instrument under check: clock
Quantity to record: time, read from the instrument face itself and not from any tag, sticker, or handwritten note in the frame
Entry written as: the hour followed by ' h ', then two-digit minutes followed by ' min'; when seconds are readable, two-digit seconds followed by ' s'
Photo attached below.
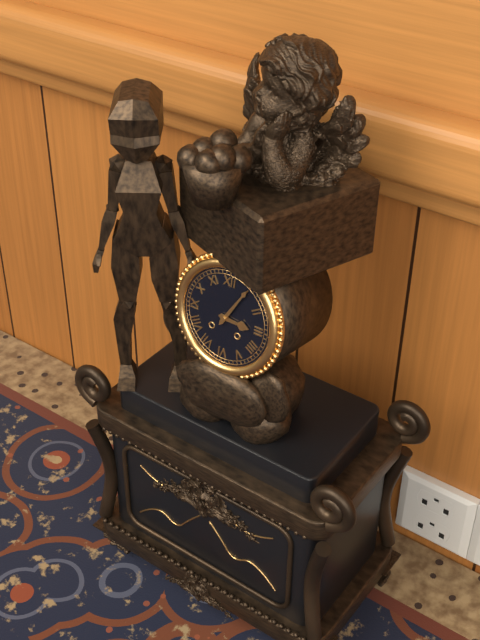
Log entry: 3 h 05 min
